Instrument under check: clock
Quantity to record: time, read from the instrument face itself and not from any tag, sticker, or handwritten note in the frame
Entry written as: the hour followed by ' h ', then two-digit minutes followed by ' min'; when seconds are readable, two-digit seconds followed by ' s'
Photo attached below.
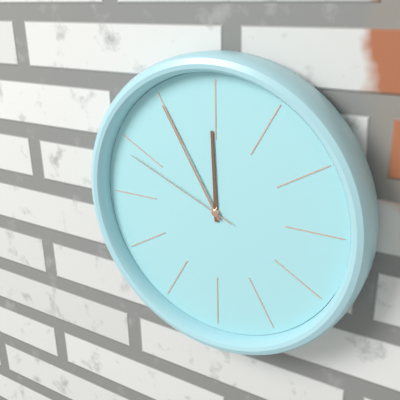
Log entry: 11 h 55 min 49 s
